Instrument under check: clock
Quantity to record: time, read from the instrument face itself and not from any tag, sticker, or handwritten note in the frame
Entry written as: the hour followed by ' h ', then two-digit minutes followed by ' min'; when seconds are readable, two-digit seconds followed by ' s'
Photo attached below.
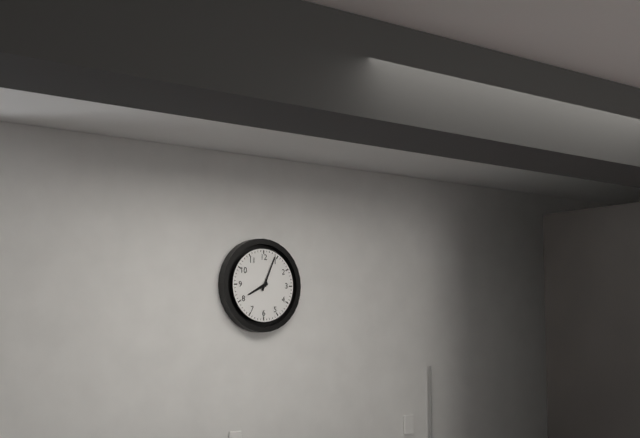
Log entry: 8 h 04 min
